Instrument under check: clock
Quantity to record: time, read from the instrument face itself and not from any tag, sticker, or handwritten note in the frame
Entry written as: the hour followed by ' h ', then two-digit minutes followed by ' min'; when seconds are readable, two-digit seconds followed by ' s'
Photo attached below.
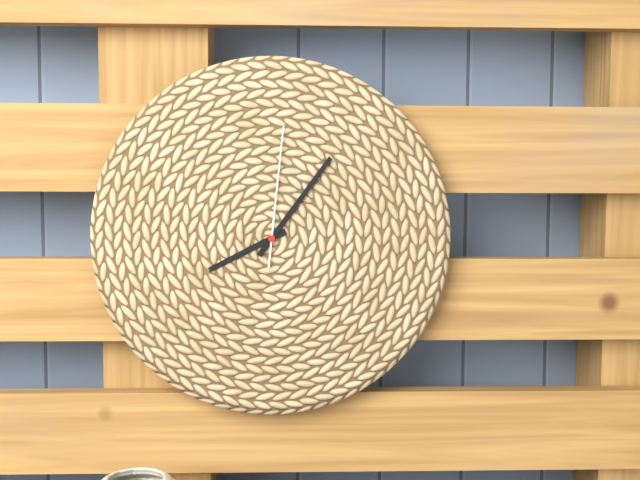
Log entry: 8 h 06 min 01 s
